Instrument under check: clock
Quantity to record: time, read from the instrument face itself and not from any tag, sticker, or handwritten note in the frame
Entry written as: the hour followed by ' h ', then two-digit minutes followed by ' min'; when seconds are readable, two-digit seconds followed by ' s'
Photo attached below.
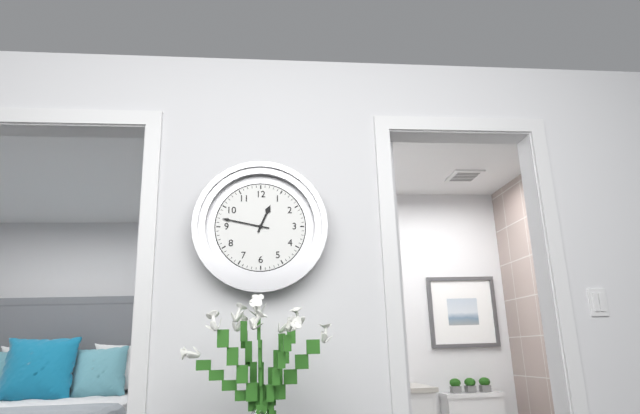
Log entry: 12 h 47 min
